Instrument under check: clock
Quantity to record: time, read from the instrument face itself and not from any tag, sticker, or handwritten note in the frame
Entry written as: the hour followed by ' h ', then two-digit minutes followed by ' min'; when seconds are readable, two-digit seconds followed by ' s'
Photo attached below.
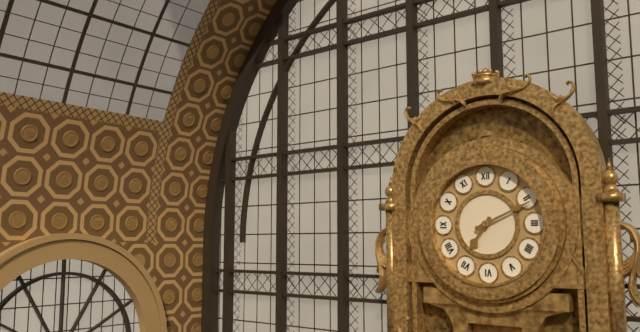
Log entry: 7 h 11 min
